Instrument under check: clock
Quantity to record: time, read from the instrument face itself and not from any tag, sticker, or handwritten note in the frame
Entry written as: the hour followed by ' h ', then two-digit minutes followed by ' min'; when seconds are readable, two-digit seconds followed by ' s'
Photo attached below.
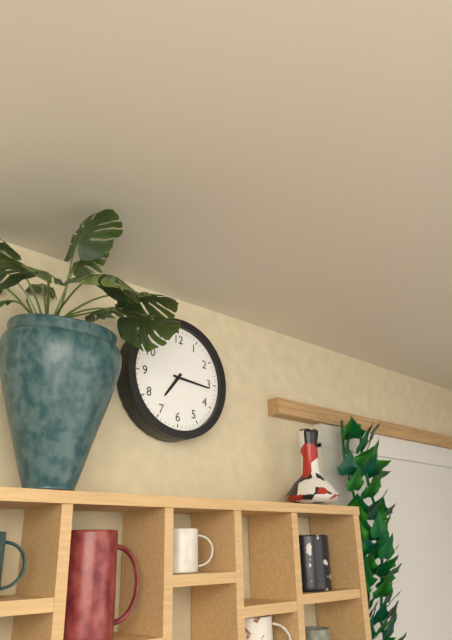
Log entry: 7 h 16 min
